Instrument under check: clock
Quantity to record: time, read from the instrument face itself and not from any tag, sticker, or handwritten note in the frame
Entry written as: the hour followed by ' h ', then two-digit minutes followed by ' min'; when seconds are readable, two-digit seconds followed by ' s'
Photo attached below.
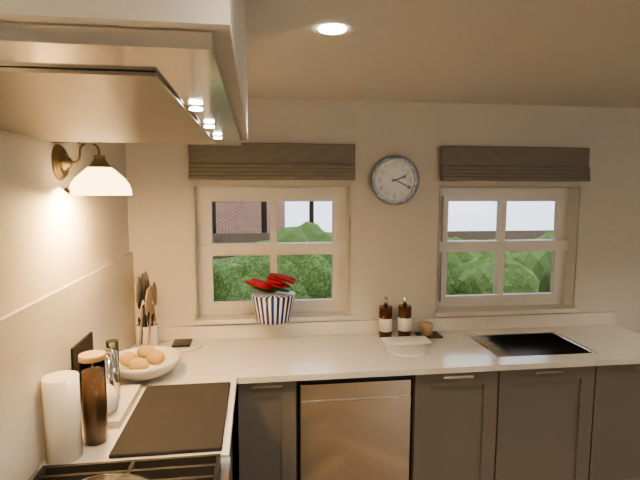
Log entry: 2 h 19 min
